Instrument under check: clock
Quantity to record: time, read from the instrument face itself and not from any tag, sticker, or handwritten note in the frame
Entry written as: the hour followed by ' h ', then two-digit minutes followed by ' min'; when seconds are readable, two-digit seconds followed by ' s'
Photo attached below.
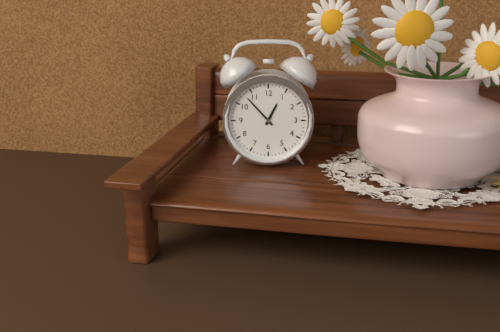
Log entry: 12 h 53 min
